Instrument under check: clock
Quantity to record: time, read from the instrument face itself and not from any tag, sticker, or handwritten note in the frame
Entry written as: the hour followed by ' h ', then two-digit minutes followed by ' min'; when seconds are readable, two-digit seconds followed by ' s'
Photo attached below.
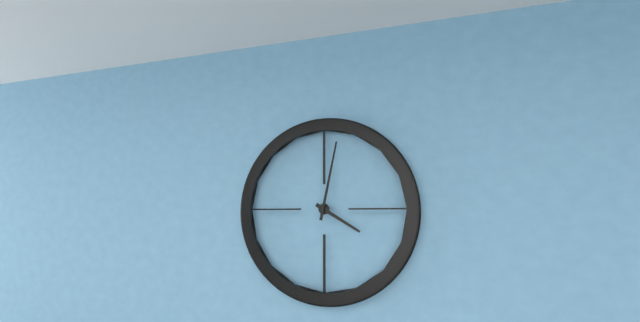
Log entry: 4 h 02 min
